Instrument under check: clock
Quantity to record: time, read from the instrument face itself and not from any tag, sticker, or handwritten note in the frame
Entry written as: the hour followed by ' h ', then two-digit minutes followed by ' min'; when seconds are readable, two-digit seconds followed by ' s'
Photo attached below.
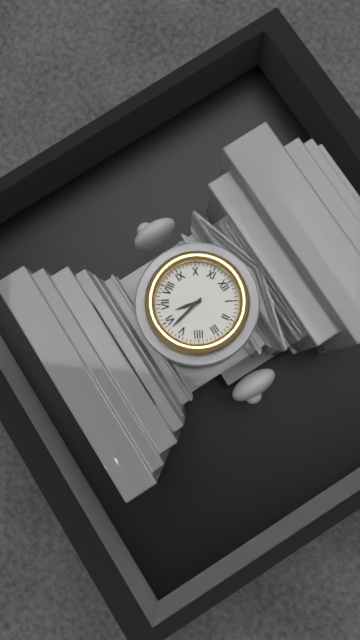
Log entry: 6 h 28 min
